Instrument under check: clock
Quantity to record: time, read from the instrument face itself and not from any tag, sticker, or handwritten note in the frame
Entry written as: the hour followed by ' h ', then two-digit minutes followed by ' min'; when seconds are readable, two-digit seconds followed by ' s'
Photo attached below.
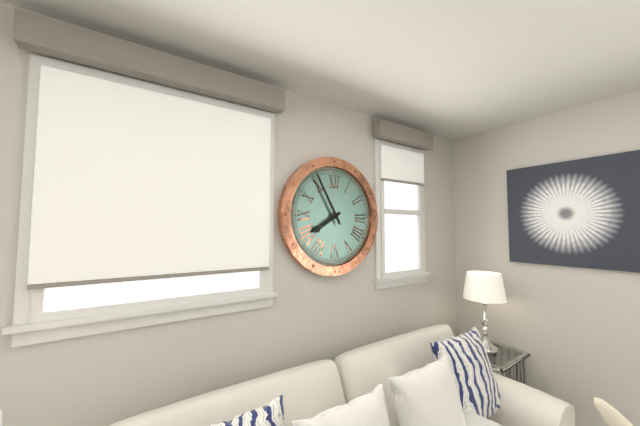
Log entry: 7 h 55 min
